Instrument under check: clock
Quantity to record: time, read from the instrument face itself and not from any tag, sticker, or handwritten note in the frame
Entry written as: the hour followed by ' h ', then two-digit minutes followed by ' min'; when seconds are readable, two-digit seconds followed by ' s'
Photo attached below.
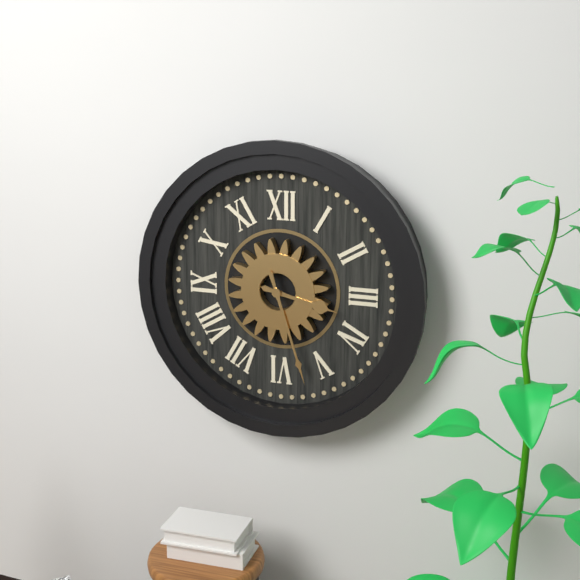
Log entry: 3 h 27 min
